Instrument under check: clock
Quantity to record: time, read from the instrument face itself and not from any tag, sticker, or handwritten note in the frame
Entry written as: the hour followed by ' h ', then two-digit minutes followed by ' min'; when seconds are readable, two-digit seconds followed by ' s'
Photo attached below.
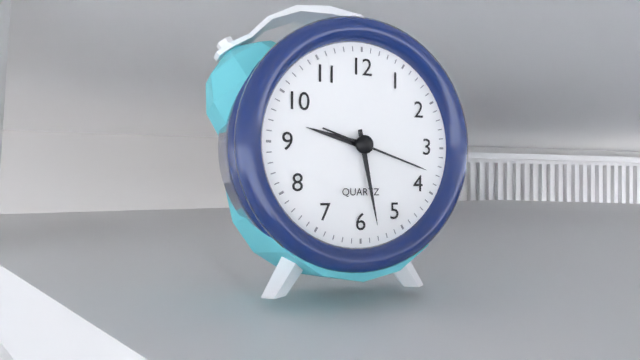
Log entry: 9 h 28 min 18 s
